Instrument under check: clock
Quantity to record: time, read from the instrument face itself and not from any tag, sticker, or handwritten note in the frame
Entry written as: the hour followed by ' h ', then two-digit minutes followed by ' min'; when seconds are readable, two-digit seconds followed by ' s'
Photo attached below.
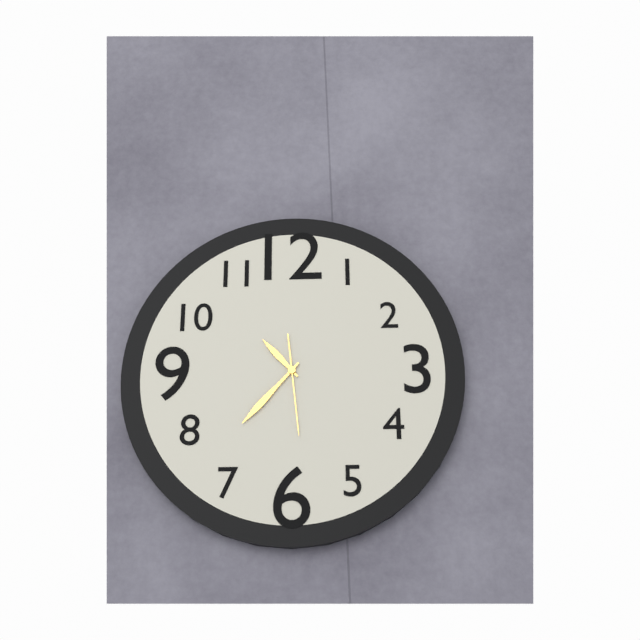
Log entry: 10 h 37 min 29 s
